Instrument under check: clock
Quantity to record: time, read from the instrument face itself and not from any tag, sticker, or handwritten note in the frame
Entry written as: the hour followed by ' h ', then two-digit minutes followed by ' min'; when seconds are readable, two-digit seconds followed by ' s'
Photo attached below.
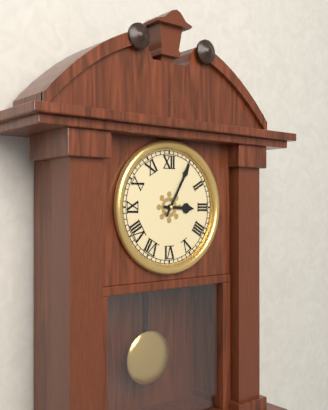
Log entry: 3 h 05 min
